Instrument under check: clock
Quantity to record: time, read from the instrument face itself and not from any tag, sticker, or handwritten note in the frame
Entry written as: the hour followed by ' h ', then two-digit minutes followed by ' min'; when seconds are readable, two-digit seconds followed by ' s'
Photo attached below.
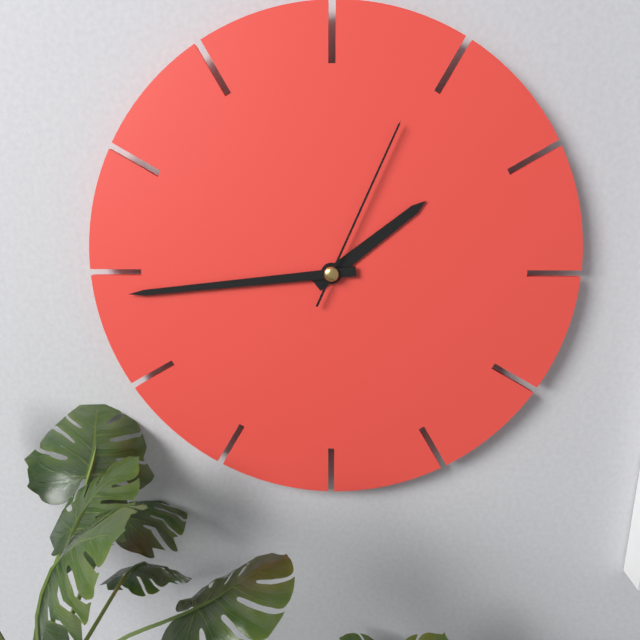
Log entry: 1 h 44 min 04 s
